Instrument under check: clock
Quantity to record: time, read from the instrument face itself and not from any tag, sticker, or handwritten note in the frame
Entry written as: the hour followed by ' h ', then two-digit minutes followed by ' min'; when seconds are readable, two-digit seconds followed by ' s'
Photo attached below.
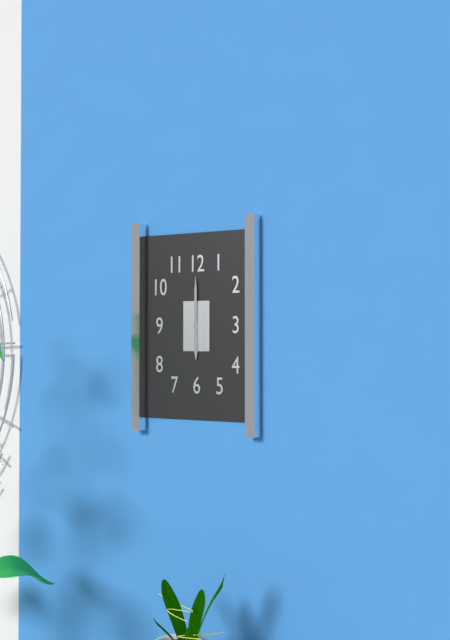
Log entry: 6 h 00 min
